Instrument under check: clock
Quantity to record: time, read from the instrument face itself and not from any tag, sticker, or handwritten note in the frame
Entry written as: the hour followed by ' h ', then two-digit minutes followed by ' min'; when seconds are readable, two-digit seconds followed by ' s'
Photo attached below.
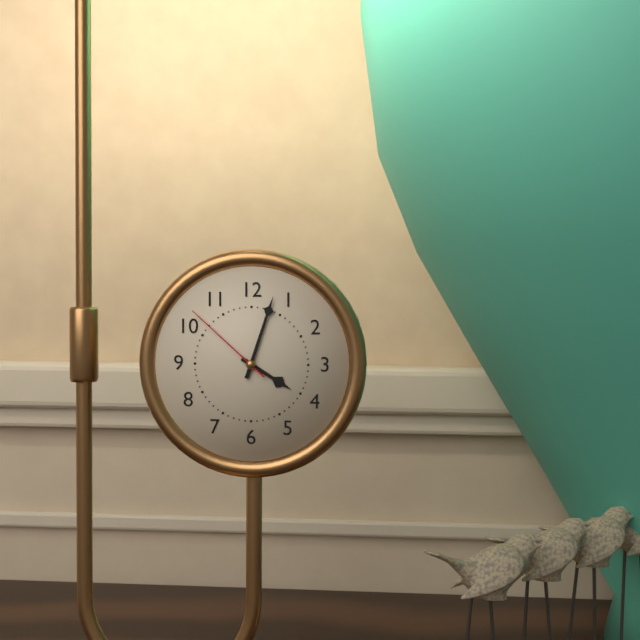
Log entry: 4 h 03 min 52 s
